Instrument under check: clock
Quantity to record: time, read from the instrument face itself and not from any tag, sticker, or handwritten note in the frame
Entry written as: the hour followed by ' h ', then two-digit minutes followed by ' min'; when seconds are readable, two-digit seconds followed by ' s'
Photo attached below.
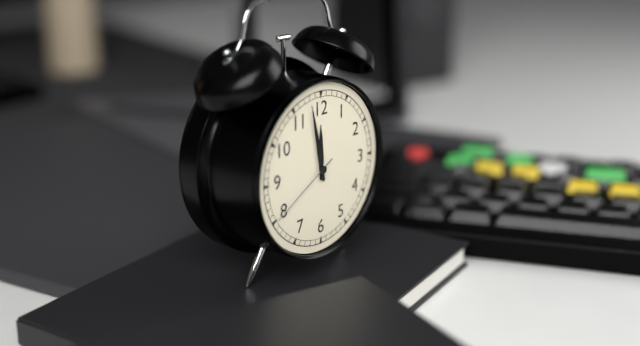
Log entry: 11 h 58 min 40 s
